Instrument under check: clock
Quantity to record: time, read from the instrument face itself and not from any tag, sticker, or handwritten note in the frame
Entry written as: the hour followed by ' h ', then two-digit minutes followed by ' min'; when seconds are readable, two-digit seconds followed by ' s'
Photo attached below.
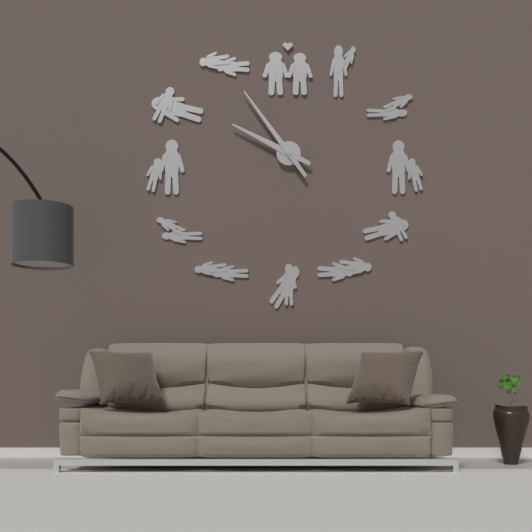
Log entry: 9 h 54 min
